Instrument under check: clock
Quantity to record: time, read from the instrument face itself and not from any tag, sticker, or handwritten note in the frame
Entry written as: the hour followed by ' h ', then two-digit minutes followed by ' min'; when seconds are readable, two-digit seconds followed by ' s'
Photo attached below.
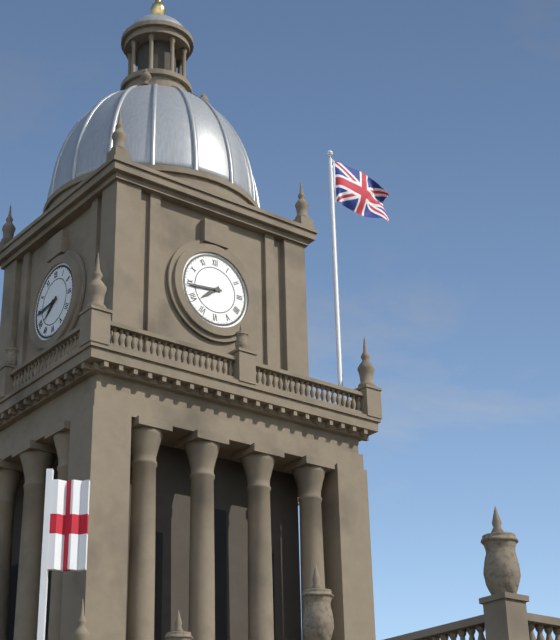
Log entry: 7 h 44 min
